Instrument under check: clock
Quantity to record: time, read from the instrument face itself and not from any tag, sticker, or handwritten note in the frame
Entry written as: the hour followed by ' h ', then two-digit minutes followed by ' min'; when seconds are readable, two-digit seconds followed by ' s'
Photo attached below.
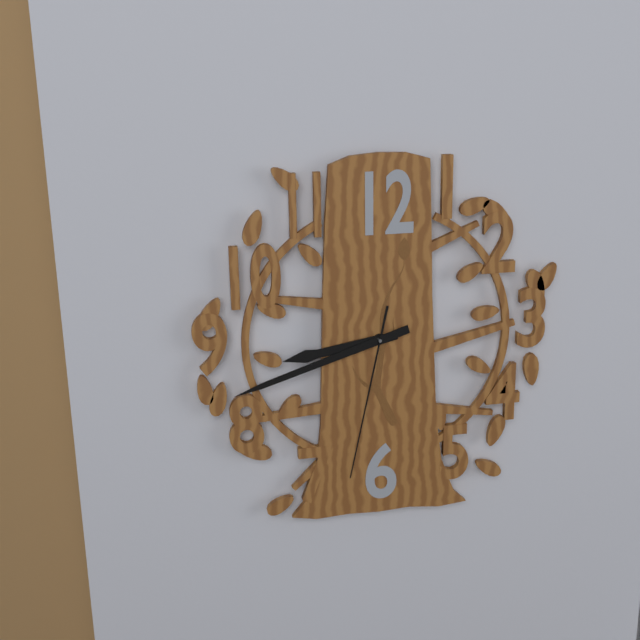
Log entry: 8 h 42 min 32 s
